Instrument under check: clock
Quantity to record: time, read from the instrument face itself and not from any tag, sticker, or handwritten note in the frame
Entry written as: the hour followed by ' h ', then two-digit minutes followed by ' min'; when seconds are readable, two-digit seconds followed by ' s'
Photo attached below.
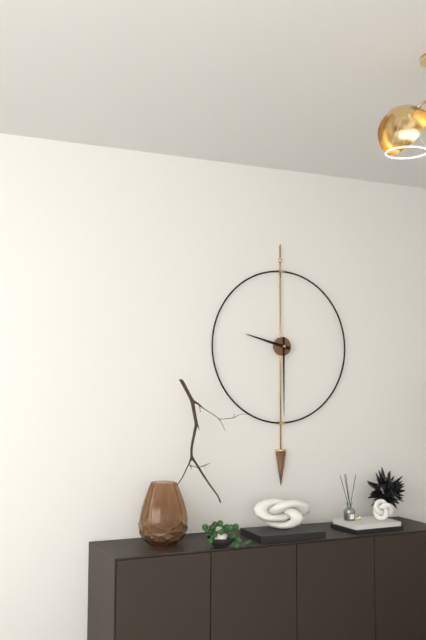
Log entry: 9 h 30 min
